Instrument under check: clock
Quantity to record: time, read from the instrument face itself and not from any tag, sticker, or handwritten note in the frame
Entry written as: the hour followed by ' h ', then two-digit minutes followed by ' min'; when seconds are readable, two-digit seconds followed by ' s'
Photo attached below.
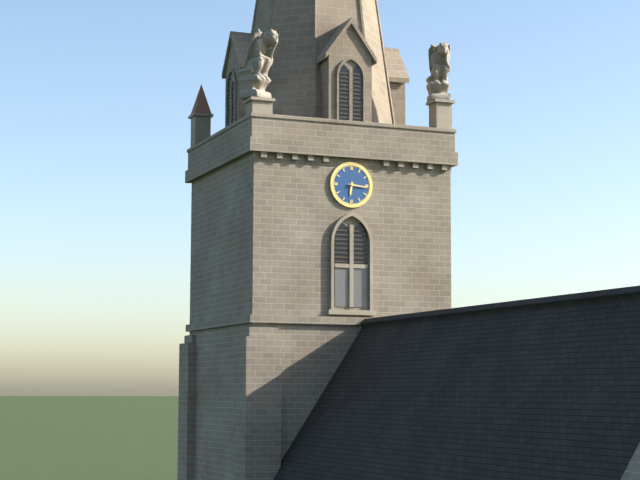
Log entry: 6 h 16 min
